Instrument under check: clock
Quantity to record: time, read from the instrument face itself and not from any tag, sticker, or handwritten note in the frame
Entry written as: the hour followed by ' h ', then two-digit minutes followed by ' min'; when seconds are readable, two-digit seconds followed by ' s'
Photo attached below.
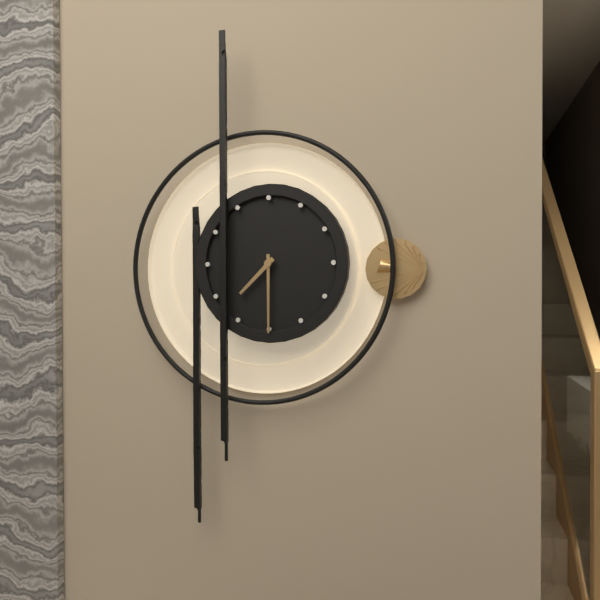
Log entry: 7 h 30 min
